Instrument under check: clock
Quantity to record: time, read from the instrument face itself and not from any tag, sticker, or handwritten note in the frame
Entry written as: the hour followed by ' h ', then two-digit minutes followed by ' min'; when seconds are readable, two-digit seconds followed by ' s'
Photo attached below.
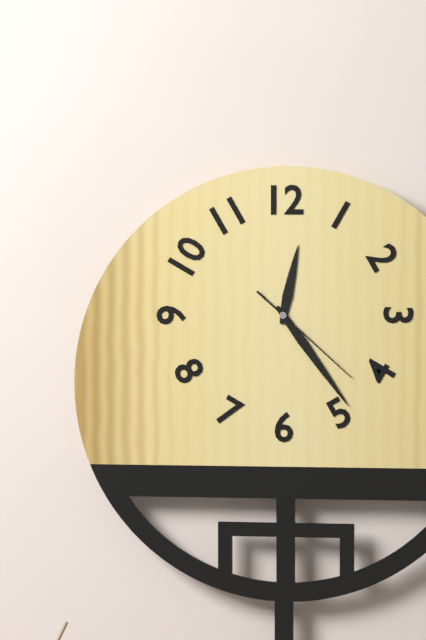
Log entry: 12 h 24 min 22 s
